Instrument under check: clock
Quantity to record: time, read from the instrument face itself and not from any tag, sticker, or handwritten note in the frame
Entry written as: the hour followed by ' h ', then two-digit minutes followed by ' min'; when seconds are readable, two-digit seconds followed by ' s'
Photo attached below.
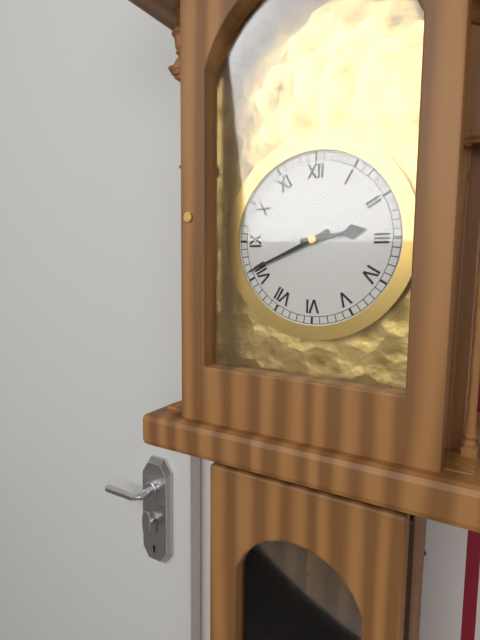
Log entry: 2 h 41 min
